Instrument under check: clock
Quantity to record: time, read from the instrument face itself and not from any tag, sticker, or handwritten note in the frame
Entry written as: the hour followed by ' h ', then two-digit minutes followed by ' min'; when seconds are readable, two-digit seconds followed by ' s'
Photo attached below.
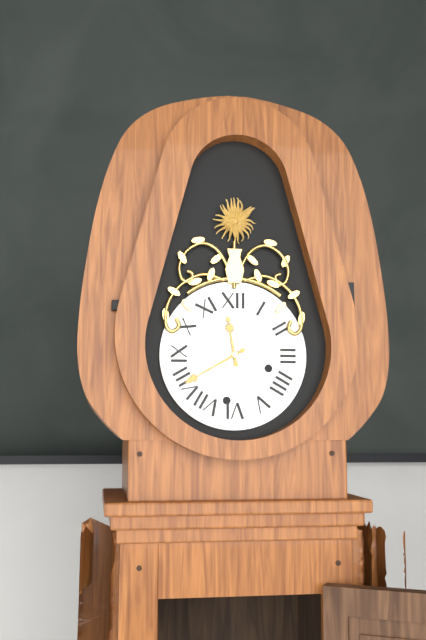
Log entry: 11 h 40 min
